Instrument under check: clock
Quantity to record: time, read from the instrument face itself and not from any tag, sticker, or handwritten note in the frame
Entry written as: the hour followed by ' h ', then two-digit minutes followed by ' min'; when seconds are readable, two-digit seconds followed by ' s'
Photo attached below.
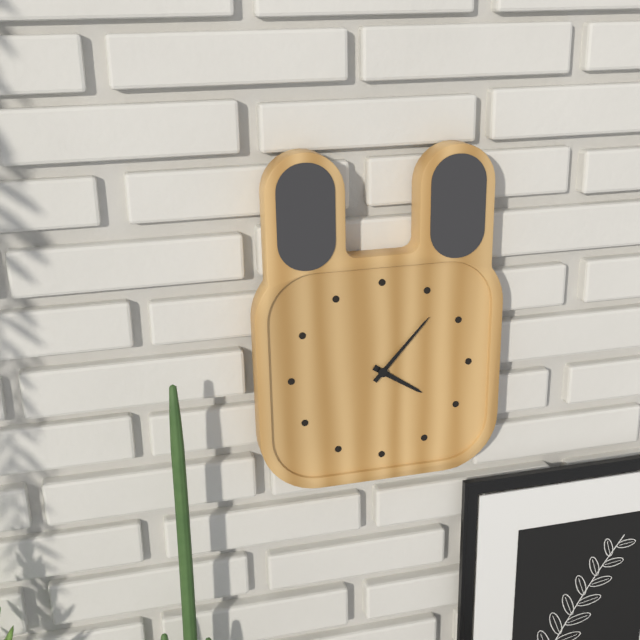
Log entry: 4 h 07 min
